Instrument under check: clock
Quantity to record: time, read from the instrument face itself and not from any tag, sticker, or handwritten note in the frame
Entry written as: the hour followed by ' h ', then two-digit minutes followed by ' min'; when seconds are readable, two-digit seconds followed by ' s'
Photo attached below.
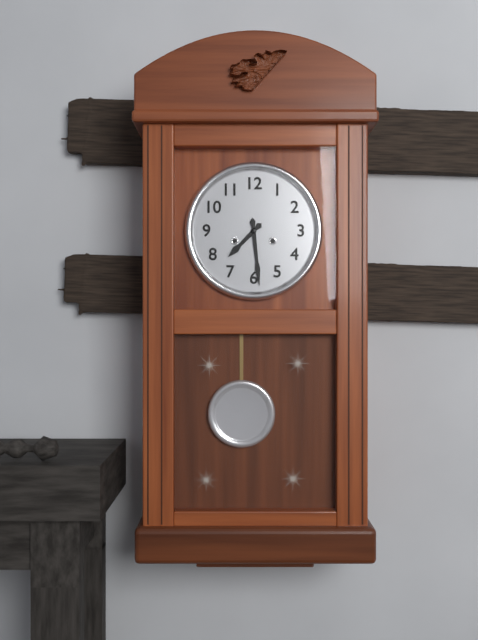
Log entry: 7 h 29 min
